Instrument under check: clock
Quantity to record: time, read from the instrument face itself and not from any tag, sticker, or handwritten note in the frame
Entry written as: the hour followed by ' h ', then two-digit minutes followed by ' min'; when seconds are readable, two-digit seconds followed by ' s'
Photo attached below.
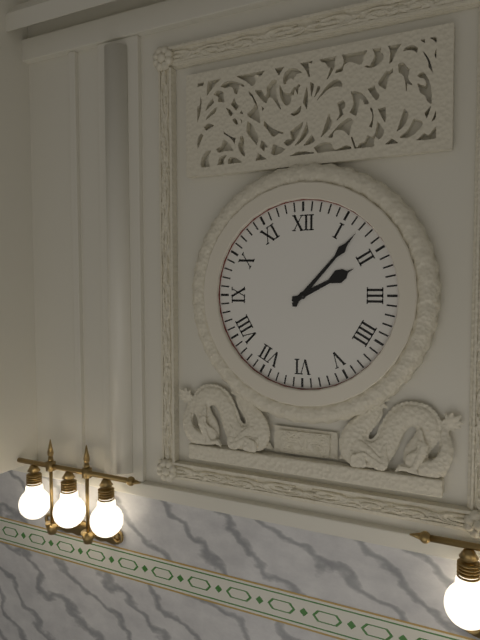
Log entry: 2 h 07 min
